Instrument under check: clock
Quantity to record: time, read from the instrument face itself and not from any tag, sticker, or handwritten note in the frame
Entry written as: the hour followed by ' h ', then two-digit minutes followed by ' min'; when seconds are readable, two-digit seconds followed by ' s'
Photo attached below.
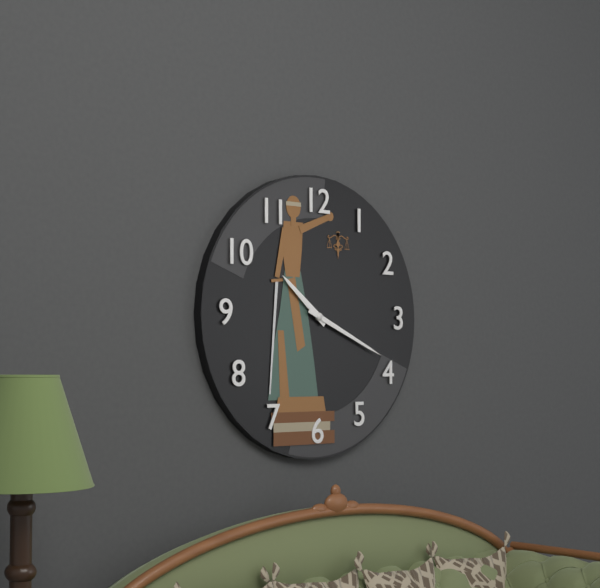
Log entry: 10 h 19 min
